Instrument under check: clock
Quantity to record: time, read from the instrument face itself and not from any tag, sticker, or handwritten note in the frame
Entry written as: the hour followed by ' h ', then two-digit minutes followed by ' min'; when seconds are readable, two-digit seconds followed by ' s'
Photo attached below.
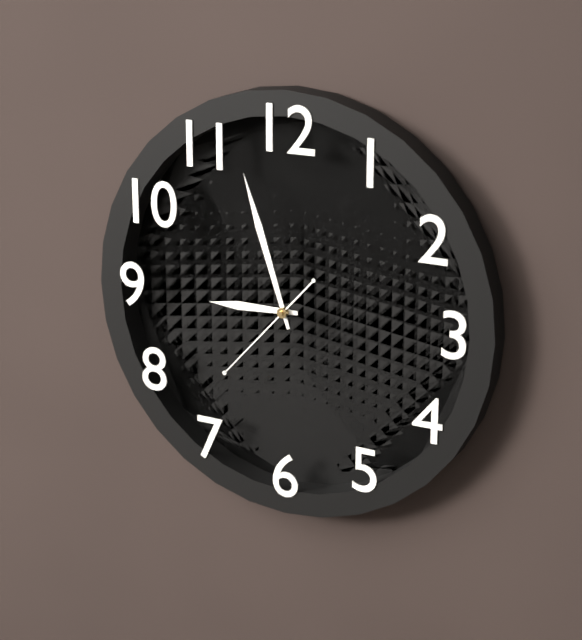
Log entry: 8 h 57 min 37 s
